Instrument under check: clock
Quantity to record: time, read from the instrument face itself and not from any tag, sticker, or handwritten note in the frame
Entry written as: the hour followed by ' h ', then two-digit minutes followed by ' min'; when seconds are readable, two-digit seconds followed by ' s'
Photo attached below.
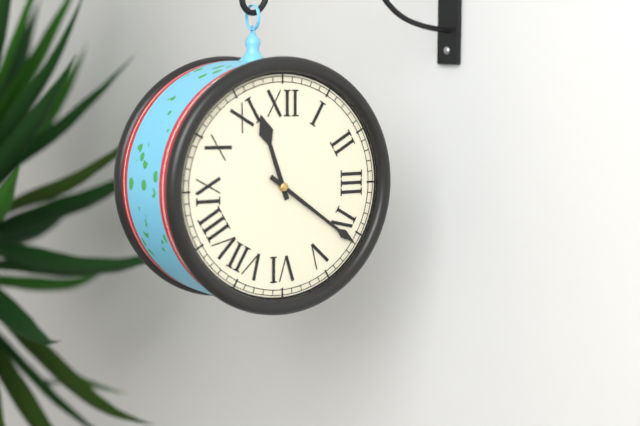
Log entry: 11 h 21 min
